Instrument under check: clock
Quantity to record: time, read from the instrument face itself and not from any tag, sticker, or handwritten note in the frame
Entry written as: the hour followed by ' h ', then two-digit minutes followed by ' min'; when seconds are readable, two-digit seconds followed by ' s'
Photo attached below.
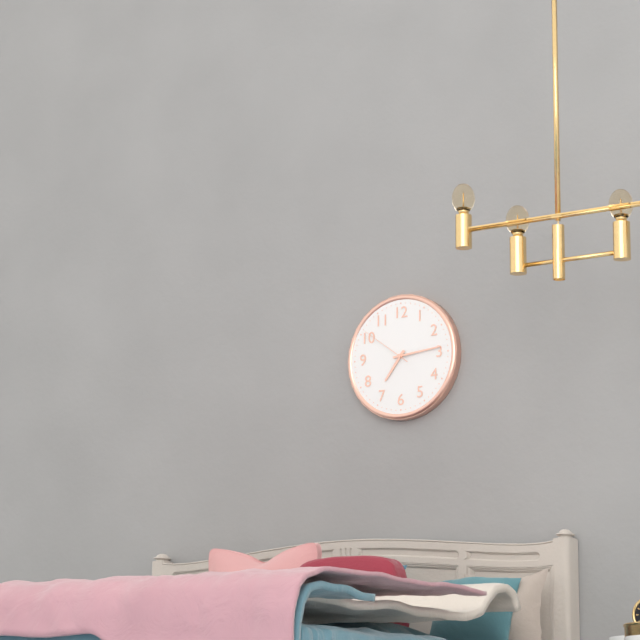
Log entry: 7 h 14 min 51 s
